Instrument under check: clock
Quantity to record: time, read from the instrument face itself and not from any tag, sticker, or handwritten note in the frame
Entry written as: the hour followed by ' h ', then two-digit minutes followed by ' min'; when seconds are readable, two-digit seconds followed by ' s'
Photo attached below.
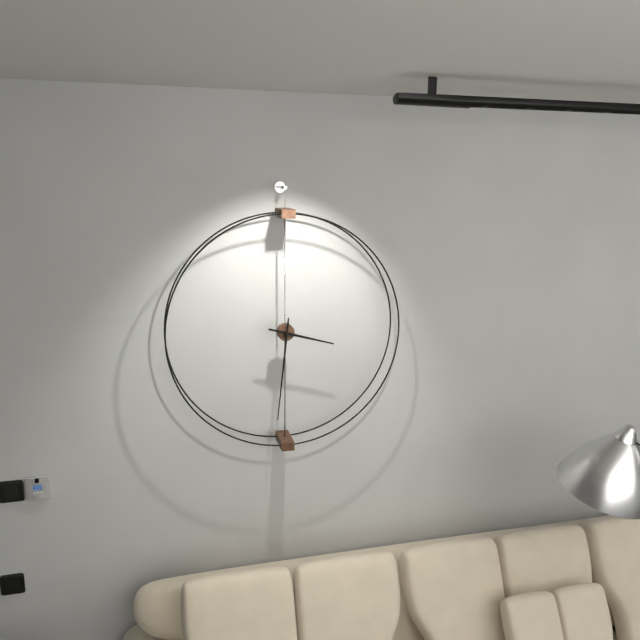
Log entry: 3 h 31 min
